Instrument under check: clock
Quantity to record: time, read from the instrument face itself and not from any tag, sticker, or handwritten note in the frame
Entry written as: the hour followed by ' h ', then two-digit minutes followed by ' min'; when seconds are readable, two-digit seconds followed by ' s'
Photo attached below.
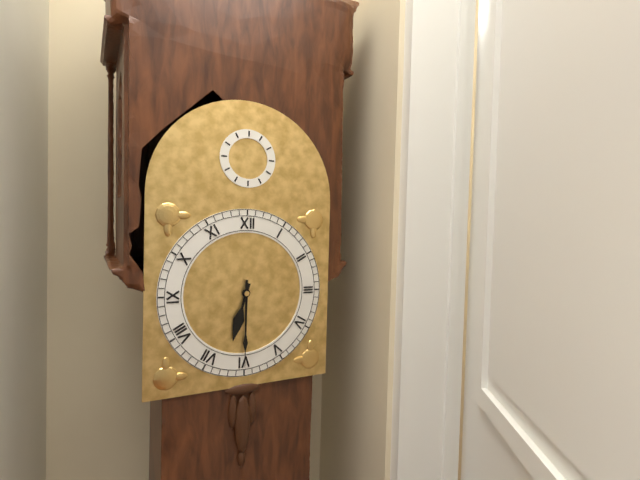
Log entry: 6 h 30 min
